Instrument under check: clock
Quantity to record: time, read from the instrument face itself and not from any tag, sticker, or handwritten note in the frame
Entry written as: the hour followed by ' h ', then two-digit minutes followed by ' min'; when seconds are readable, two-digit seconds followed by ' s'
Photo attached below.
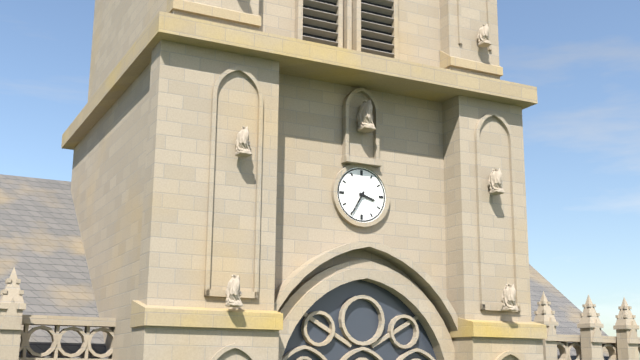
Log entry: 3 h 35 min
